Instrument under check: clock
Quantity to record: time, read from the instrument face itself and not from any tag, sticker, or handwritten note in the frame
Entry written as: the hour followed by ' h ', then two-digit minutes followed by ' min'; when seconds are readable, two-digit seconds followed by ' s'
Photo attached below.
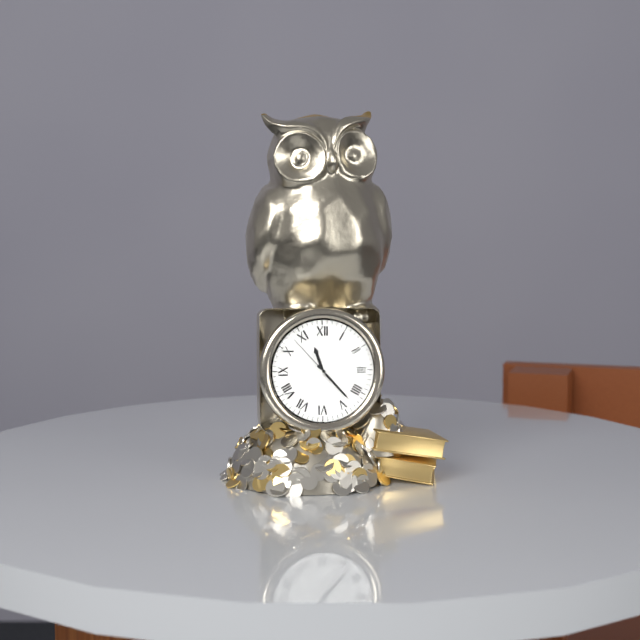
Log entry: 11 h 23 min
